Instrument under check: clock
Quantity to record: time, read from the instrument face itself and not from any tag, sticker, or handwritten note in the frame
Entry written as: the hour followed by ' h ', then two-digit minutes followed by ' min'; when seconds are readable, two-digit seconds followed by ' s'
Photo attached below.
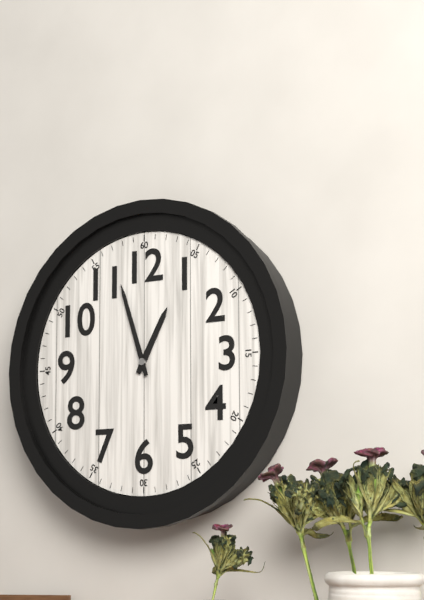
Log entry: 12 h 57 min
